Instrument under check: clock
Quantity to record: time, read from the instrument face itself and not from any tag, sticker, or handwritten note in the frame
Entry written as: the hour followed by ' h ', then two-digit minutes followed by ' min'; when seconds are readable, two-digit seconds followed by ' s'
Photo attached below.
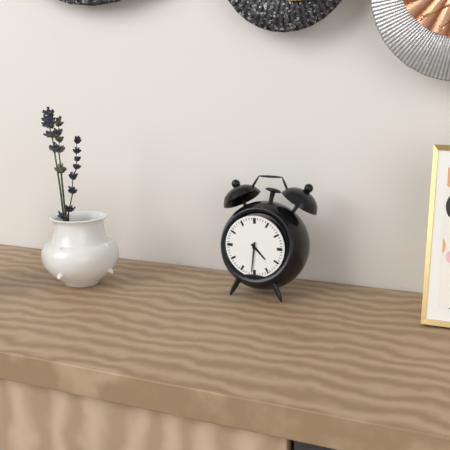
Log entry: 4 h 31 min
